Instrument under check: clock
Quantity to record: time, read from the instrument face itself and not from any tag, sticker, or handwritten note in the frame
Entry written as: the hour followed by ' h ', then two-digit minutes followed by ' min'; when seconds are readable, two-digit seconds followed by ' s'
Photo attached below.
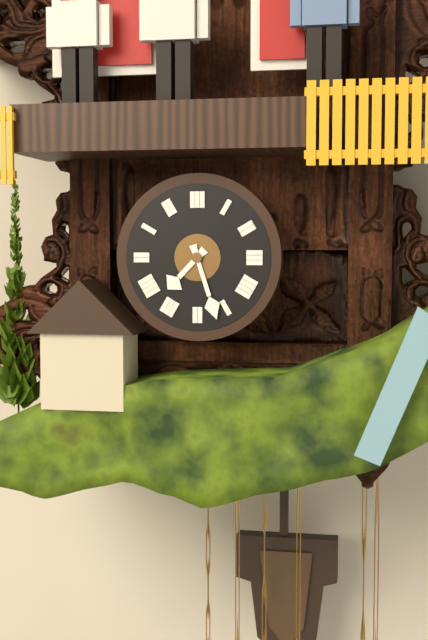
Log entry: 7 h 27 min
